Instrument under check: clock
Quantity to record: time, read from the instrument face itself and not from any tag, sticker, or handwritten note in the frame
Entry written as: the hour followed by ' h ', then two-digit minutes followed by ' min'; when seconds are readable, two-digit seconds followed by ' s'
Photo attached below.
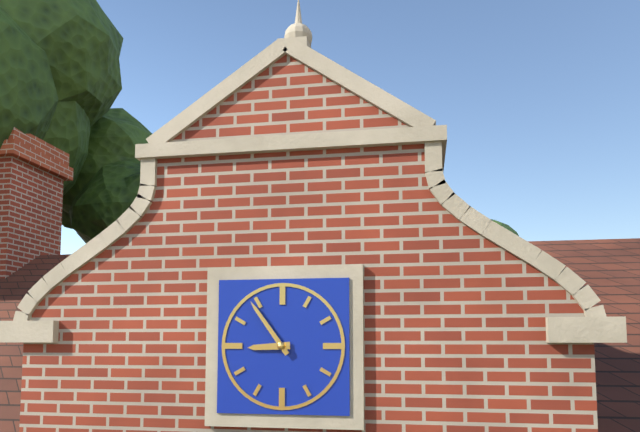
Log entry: 8 h 54 min
